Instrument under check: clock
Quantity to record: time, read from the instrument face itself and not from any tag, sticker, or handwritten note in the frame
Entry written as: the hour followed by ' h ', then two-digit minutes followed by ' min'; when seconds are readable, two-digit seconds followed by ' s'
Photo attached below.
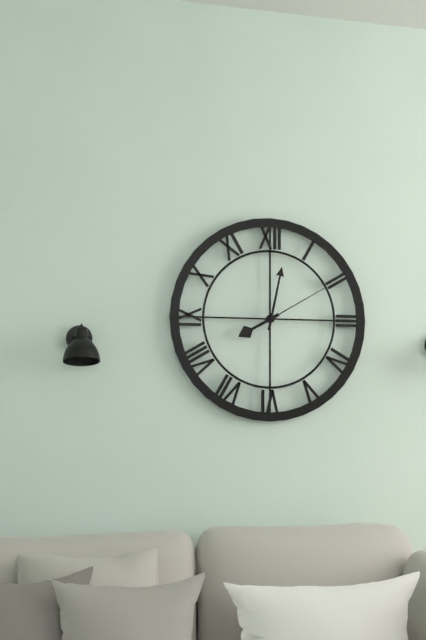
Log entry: 8 h 02 min 10 s
